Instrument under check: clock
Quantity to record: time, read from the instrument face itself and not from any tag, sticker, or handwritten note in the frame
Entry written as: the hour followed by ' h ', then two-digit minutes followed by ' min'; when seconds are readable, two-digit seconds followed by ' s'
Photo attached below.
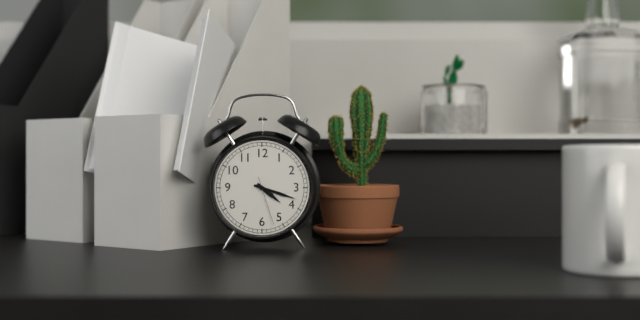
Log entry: 4 h 18 min
